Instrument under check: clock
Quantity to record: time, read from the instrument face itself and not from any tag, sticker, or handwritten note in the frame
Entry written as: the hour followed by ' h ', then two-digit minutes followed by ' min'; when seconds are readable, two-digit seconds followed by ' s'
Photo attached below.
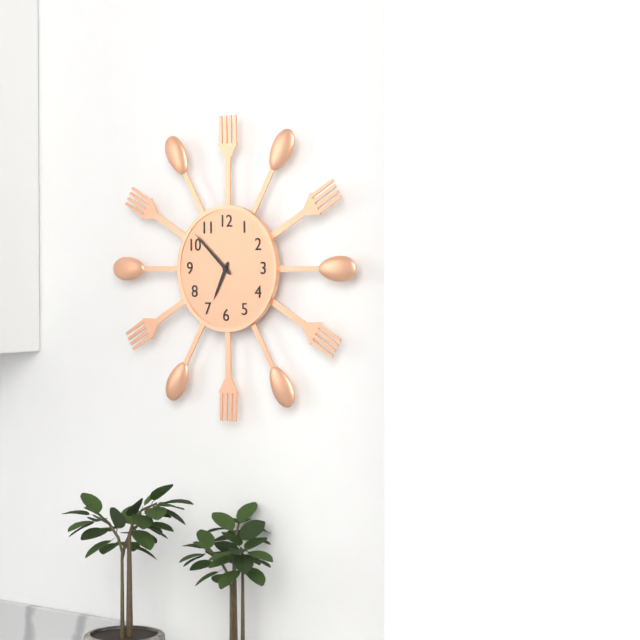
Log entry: 6 h 52 min
